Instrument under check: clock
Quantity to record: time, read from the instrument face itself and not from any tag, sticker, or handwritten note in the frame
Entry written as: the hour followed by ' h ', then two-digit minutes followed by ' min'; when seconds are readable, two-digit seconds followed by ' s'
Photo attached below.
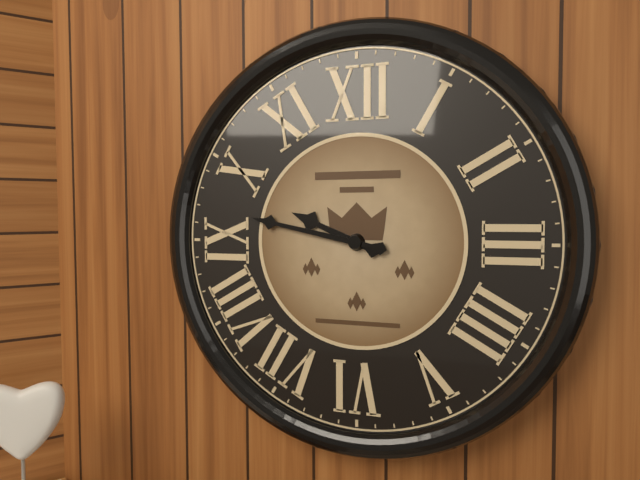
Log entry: 9 h 47 min
